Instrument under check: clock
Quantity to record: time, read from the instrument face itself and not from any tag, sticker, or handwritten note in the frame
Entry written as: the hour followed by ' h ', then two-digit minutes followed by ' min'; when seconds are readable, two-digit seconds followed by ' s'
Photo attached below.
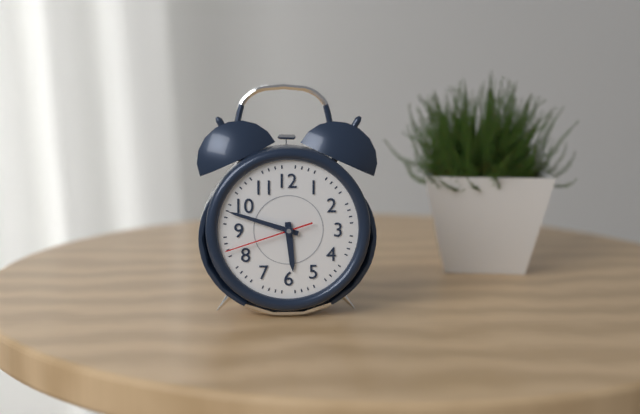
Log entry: 5 h 48 min 42 s
